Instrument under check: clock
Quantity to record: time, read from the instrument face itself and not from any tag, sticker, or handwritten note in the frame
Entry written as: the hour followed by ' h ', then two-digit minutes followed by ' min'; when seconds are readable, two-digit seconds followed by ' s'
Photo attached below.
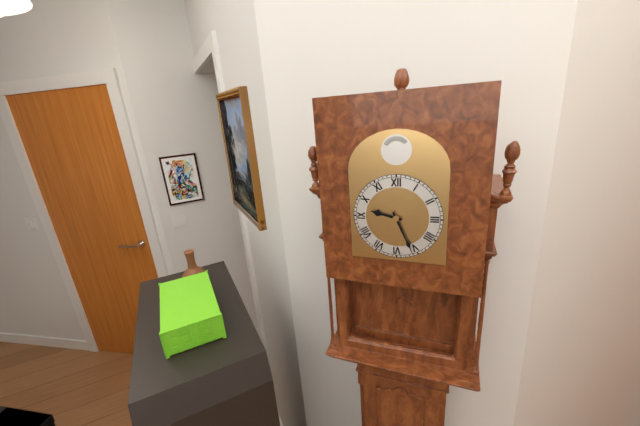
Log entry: 9 h 26 min
